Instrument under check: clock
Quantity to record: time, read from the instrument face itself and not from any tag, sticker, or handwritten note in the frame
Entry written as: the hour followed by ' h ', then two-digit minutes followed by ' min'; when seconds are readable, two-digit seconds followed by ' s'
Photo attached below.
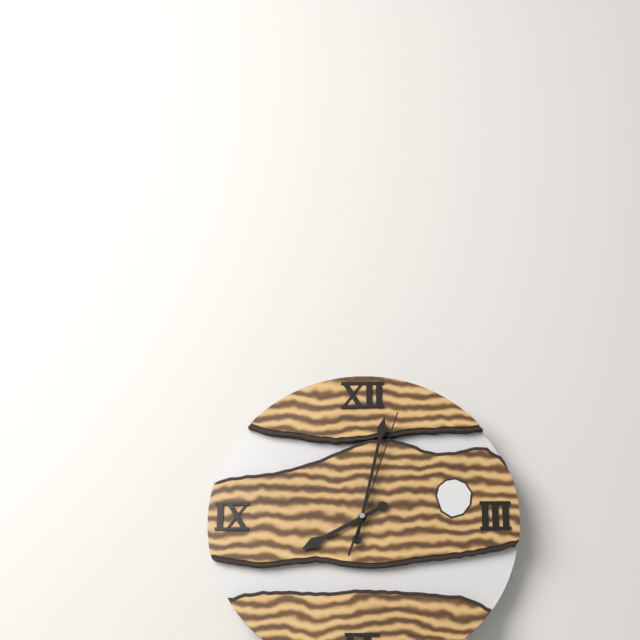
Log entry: 8 h 02 min 03 s
